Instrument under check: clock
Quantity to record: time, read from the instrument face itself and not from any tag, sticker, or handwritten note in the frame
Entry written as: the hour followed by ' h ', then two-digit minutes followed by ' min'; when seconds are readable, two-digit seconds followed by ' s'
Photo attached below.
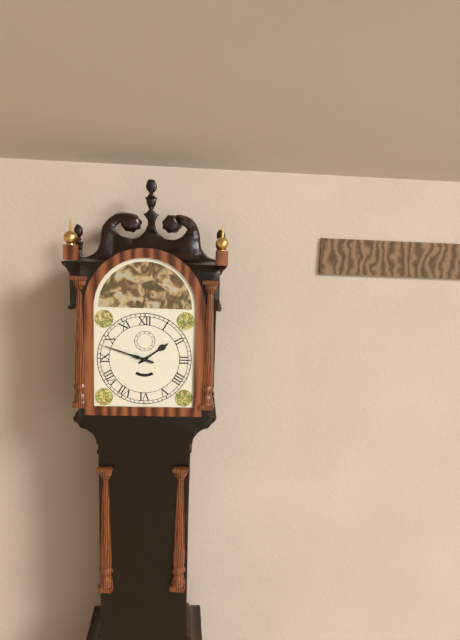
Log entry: 1 h 48 min
